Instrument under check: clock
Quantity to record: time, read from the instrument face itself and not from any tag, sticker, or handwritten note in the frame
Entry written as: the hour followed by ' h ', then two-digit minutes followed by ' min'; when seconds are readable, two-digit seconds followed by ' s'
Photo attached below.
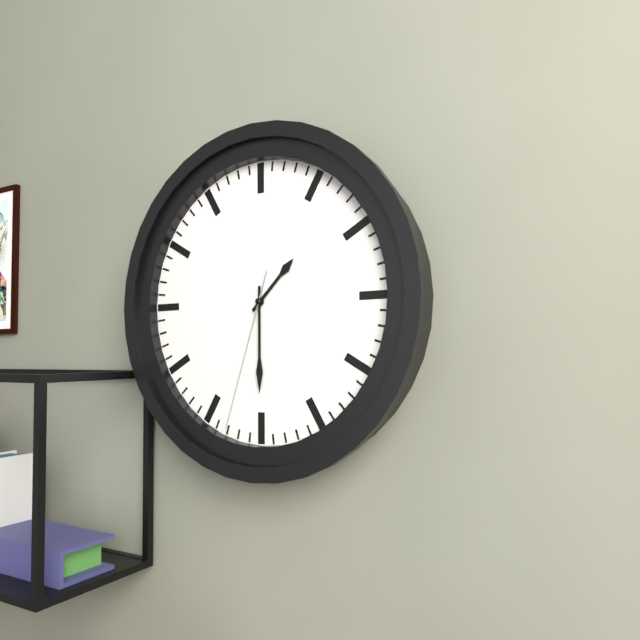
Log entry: 1 h 30 min 33 s
